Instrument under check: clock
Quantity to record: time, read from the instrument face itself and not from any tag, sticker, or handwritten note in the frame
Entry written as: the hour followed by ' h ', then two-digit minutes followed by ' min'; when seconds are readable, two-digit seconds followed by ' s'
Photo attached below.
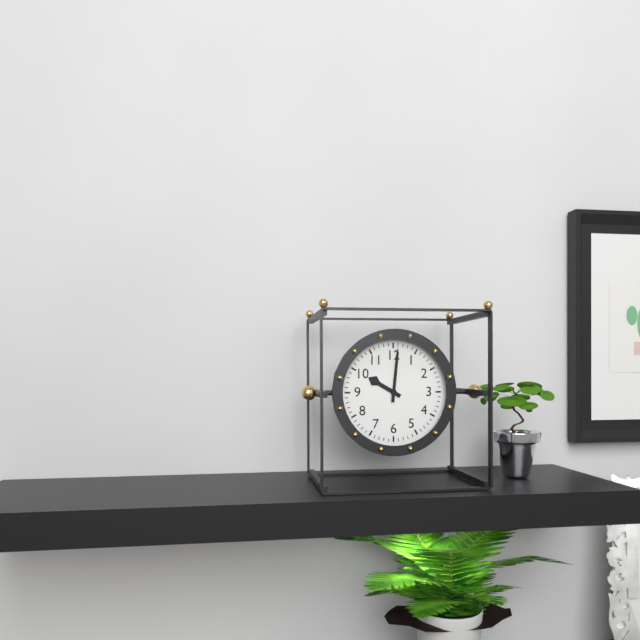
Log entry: 10 h 01 min
